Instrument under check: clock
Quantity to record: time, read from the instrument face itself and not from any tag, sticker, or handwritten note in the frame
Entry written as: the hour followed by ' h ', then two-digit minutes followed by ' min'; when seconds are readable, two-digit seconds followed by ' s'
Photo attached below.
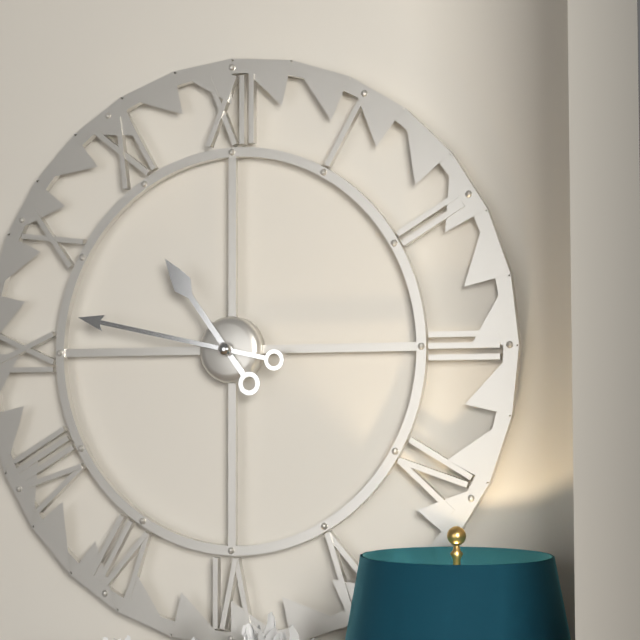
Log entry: 10 h 47 min
